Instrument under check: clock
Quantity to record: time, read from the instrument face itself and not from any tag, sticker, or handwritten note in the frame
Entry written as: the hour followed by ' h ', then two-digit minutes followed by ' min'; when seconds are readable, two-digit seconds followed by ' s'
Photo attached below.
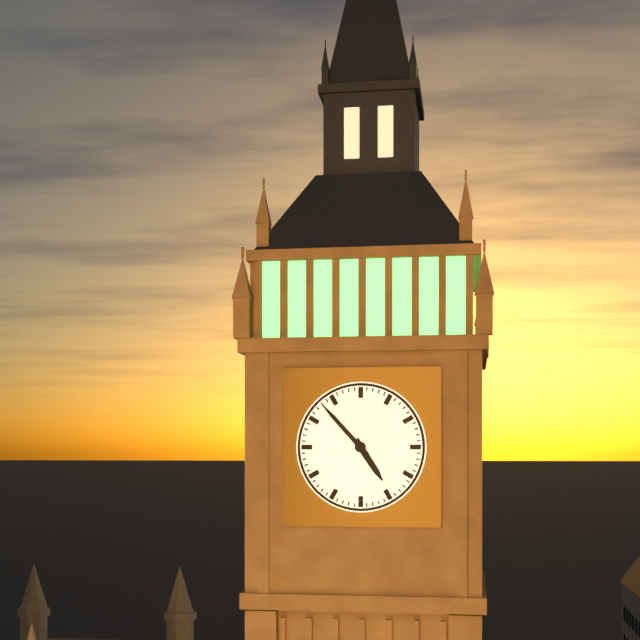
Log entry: 4 h 53 min
